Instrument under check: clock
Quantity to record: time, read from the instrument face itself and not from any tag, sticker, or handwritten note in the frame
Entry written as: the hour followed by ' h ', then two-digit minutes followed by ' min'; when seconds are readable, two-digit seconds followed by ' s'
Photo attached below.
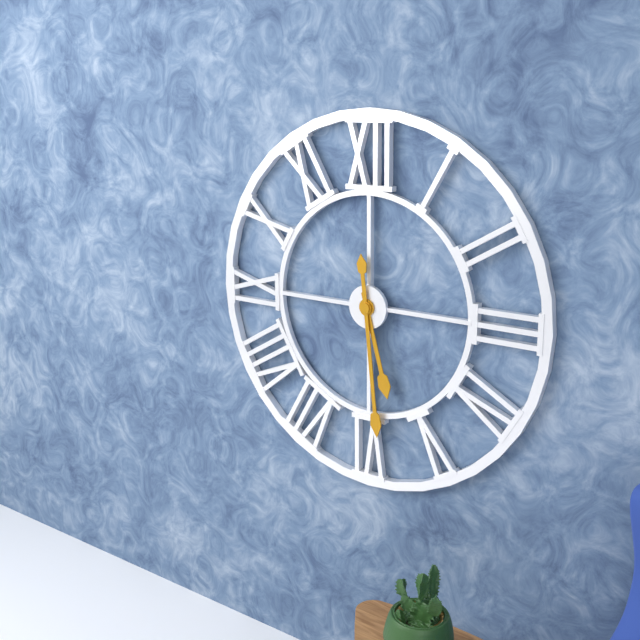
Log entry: 5 h 29 min
